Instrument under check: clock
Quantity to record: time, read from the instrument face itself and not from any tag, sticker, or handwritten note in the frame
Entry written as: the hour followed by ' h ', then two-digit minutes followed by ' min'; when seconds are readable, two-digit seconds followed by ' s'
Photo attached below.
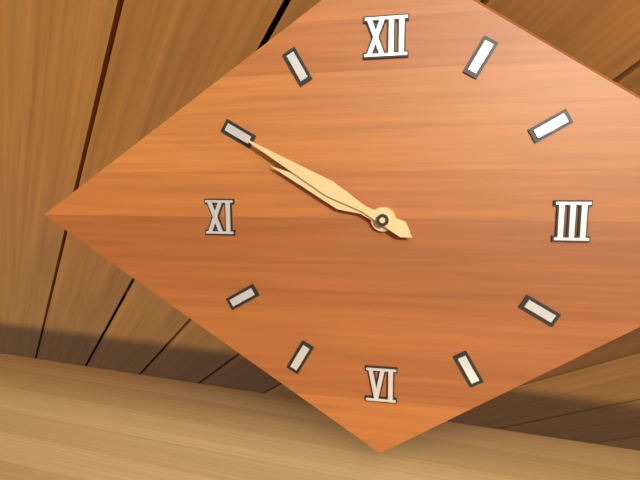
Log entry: 9 h 50 min
